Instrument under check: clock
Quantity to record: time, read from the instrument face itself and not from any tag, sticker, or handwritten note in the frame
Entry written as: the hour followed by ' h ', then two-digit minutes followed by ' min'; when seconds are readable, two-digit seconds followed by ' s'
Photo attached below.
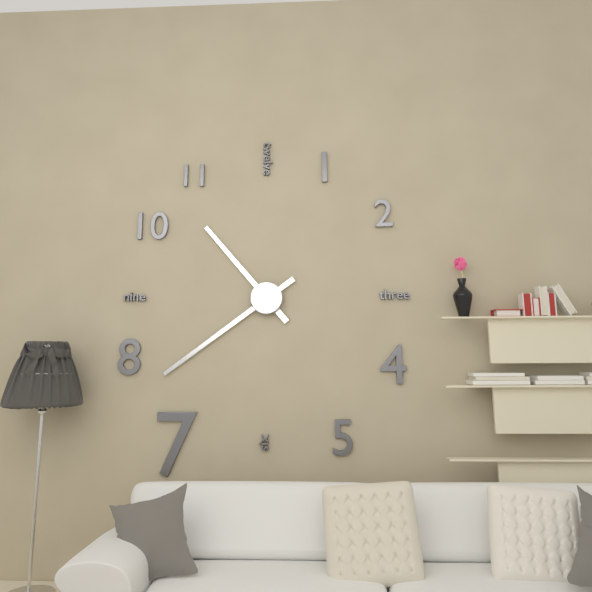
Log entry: 10 h 39 min
